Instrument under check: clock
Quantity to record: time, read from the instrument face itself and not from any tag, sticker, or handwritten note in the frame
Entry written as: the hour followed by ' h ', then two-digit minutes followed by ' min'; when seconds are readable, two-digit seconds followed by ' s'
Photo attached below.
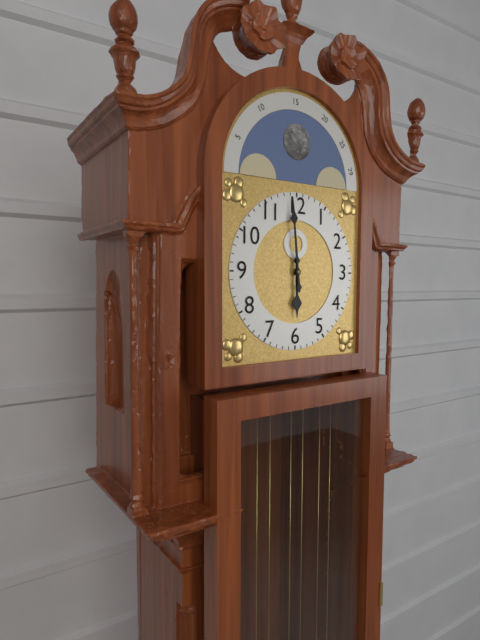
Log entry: 5 h 59 min
